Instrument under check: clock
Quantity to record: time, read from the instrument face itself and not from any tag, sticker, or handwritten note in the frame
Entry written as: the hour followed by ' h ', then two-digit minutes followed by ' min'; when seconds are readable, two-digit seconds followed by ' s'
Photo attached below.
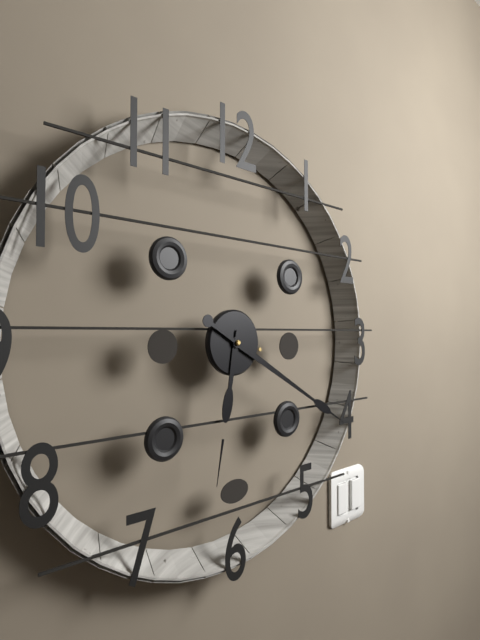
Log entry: 6 h 20 min
